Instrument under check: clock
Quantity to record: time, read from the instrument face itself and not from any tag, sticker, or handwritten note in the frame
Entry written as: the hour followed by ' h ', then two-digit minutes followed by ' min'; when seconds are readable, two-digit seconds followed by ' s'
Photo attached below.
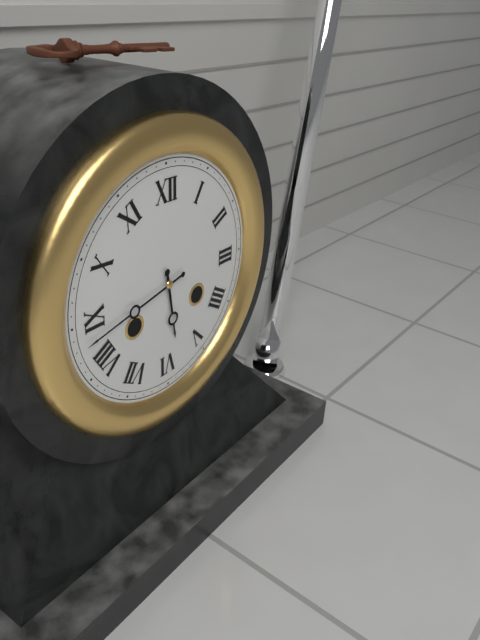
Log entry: 5 h 43 min
